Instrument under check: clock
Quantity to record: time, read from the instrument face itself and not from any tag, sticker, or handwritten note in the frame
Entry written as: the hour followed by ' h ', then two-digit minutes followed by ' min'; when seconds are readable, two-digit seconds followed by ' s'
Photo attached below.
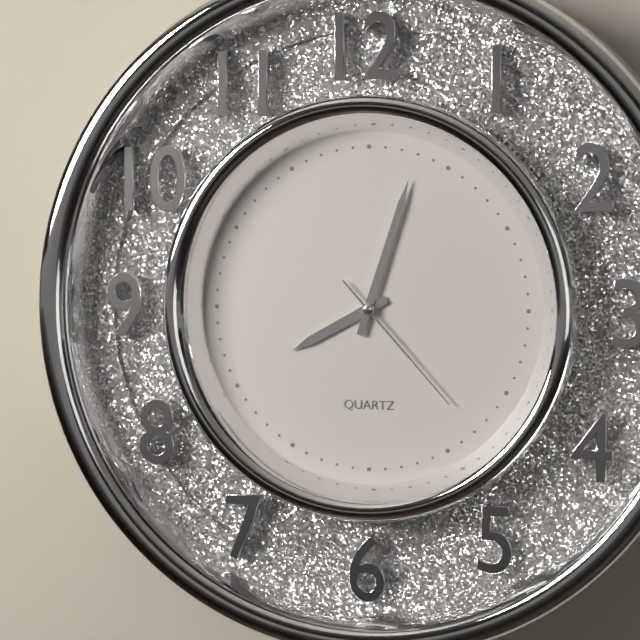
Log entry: 8 h 03 min 23 s
